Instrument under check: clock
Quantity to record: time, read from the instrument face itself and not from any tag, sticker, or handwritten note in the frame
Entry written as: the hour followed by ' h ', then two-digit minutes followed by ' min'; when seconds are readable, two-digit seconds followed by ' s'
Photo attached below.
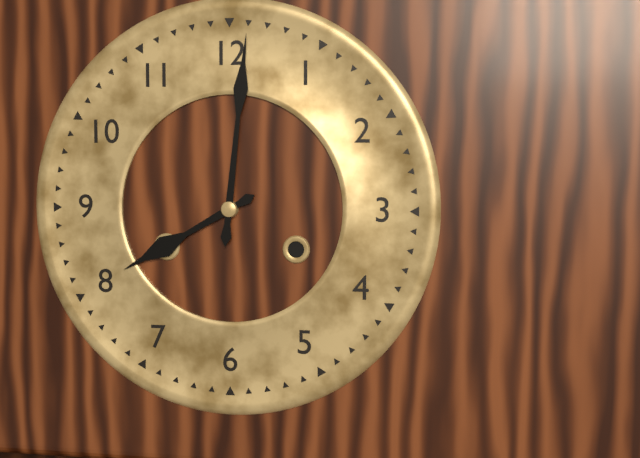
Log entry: 8 h 01 min
